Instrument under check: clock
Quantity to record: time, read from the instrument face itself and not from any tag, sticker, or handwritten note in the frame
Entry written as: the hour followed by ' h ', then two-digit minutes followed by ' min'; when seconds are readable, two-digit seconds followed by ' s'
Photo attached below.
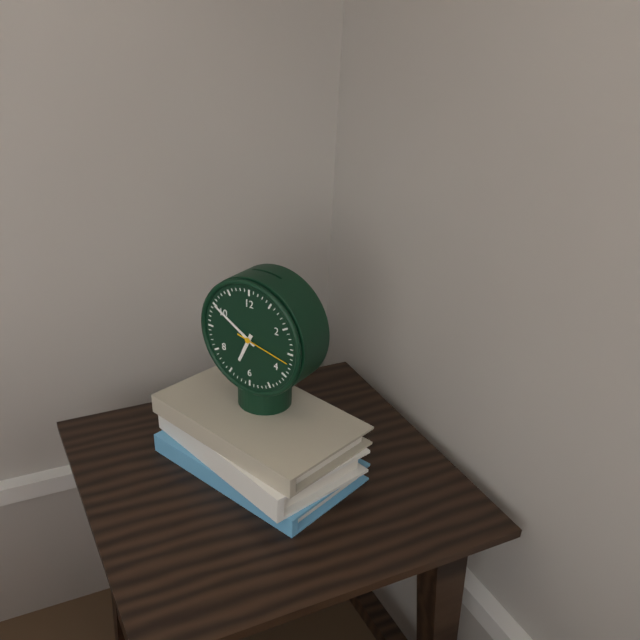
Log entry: 6 h 50 min 17 s
